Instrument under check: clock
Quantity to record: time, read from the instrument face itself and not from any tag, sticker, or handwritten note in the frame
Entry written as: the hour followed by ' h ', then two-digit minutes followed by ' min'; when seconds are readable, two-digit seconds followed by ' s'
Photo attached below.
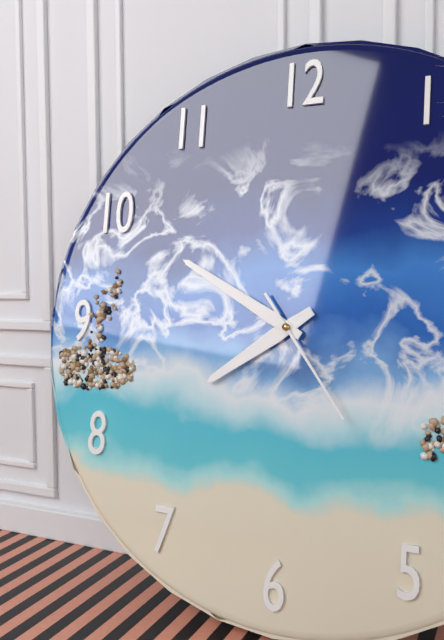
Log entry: 7 h 50 min 24 s
